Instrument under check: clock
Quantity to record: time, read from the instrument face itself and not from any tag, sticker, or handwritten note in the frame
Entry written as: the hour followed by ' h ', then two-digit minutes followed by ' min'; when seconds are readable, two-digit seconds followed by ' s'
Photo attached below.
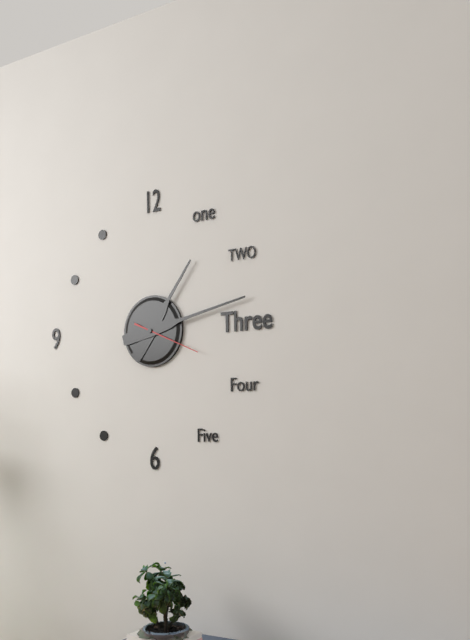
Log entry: 1 h 13 min 19 s
